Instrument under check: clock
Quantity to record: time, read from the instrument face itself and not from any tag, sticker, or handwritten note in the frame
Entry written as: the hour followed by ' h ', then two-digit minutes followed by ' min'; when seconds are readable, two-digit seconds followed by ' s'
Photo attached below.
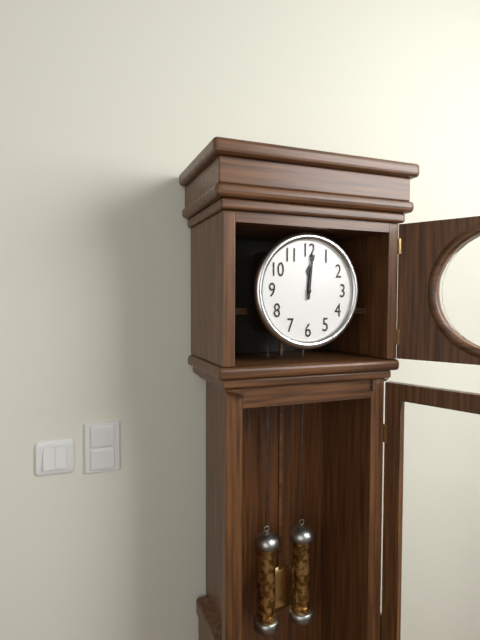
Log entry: 12 h 01 min
